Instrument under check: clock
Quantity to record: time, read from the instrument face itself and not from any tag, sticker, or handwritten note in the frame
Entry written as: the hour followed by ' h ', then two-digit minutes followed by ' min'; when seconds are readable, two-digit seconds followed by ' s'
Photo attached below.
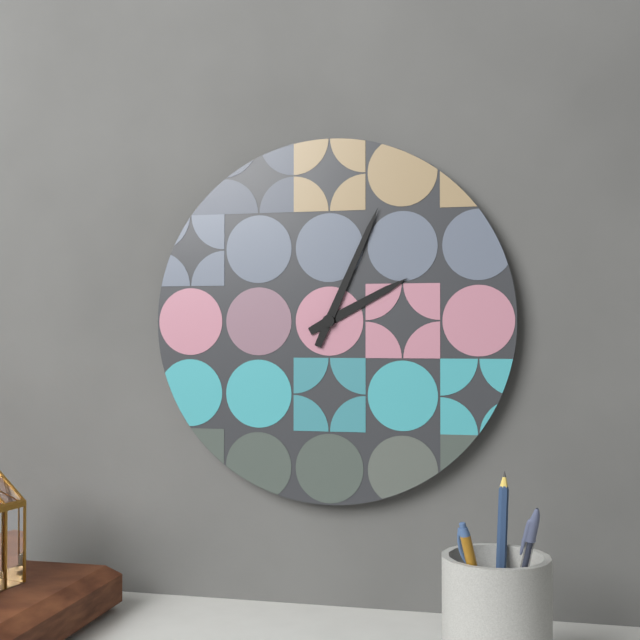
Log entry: 2 h 04 min
